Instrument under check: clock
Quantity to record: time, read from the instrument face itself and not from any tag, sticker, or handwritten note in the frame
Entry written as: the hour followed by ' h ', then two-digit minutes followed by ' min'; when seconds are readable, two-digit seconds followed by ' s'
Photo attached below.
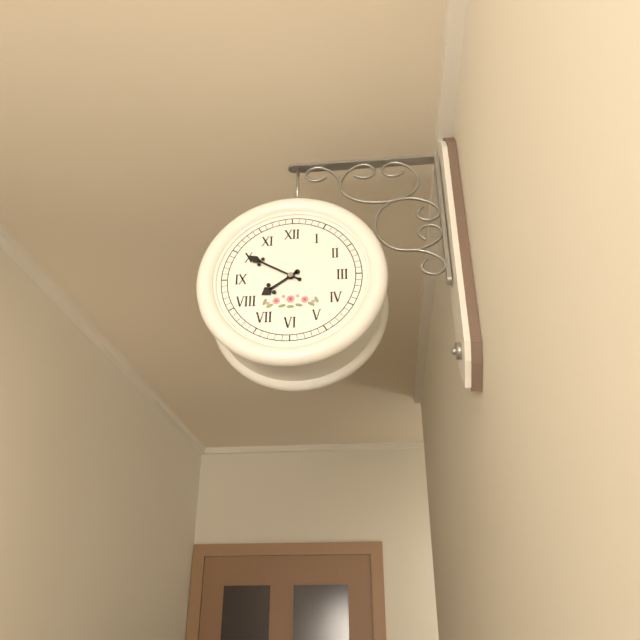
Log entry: 7 h 50 min
